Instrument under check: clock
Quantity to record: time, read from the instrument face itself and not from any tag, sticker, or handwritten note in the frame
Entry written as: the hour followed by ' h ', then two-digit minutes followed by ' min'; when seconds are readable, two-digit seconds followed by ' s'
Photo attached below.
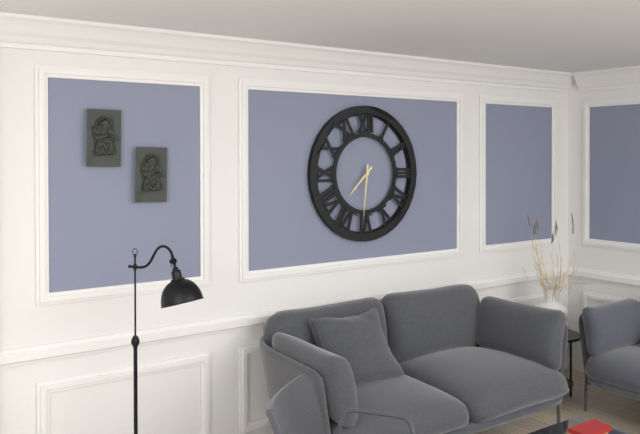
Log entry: 7 h 31 min
